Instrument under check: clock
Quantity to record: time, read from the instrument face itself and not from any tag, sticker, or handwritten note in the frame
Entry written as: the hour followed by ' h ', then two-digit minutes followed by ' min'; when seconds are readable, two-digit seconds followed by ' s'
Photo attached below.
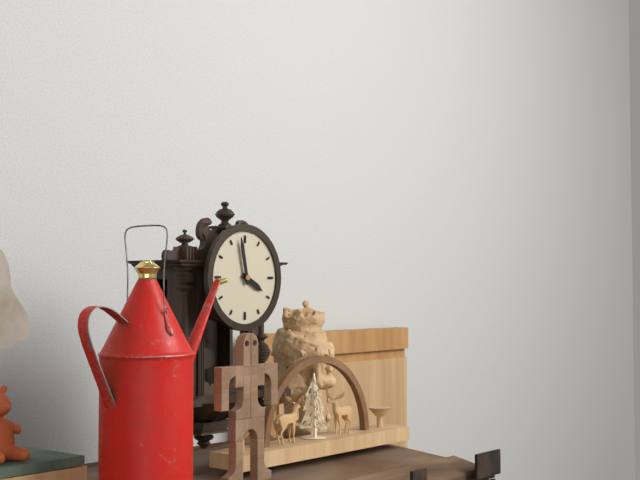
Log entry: 3 h 58 min
